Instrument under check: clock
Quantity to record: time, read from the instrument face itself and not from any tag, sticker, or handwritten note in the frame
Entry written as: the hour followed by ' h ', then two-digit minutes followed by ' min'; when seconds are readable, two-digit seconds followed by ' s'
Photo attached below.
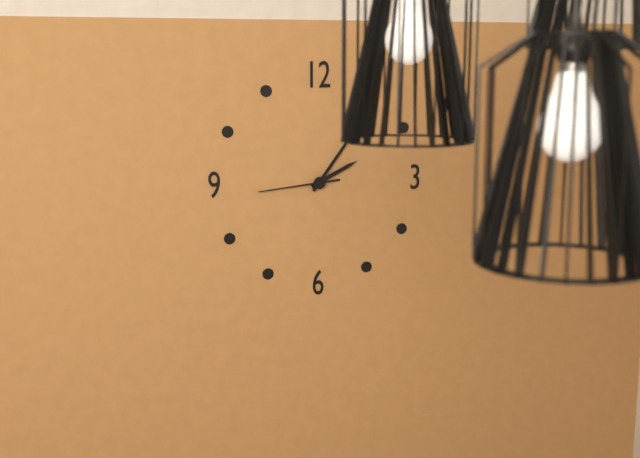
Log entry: 2 h 06 min 44 s
